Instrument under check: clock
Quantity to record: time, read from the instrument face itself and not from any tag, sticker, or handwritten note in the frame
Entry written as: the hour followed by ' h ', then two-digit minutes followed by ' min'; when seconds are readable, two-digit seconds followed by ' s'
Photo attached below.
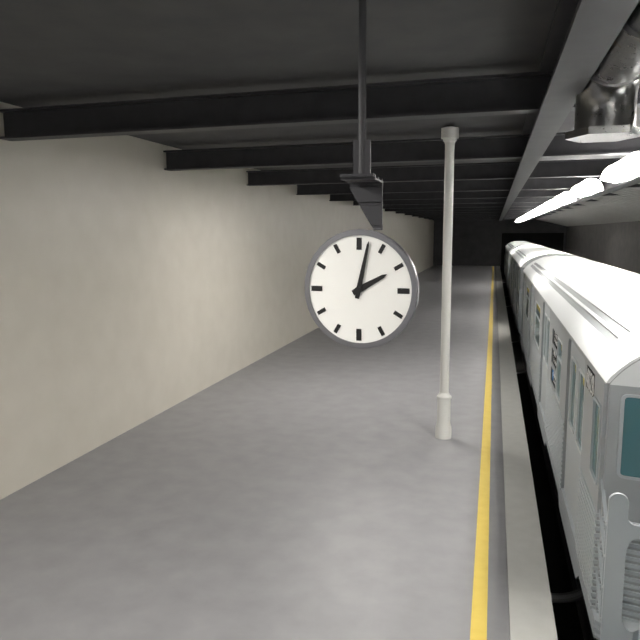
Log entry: 2 h 02 min
